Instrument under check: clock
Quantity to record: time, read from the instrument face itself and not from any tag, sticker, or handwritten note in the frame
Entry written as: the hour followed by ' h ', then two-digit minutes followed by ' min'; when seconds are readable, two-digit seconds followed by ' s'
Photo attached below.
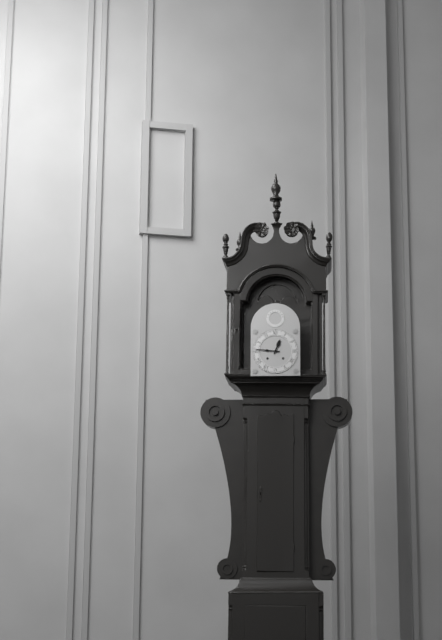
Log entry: 12 h 46 min
